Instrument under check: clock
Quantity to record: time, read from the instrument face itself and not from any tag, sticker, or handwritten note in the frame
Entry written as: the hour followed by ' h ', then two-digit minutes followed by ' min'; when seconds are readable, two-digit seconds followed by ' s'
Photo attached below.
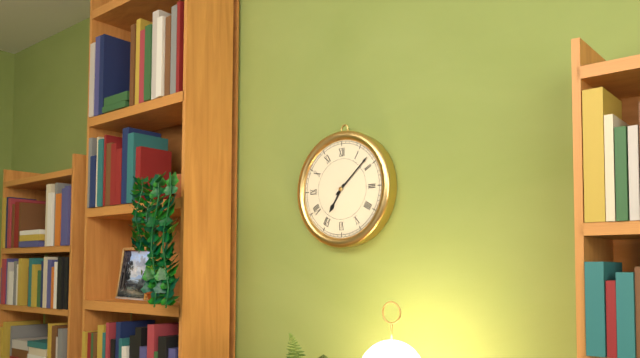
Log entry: 7 h 08 min
